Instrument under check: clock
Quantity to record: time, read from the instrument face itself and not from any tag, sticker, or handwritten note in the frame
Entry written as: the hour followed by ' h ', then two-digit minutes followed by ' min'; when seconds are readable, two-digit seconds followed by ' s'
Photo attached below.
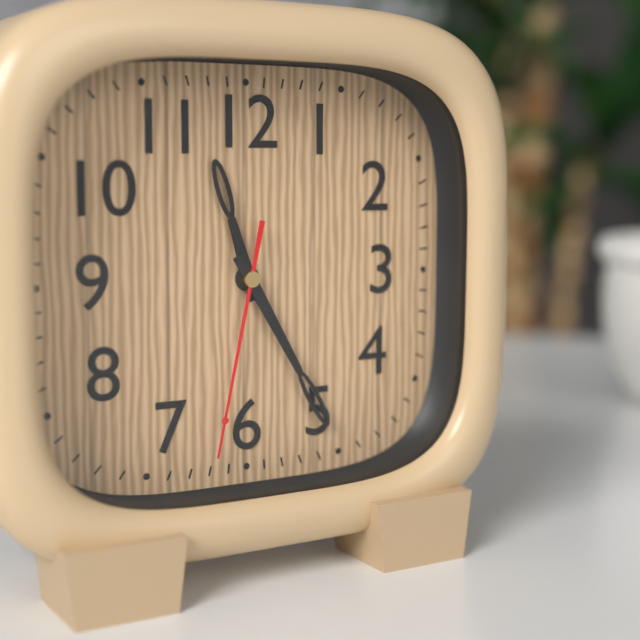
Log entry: 11 h 25 min 32 s
